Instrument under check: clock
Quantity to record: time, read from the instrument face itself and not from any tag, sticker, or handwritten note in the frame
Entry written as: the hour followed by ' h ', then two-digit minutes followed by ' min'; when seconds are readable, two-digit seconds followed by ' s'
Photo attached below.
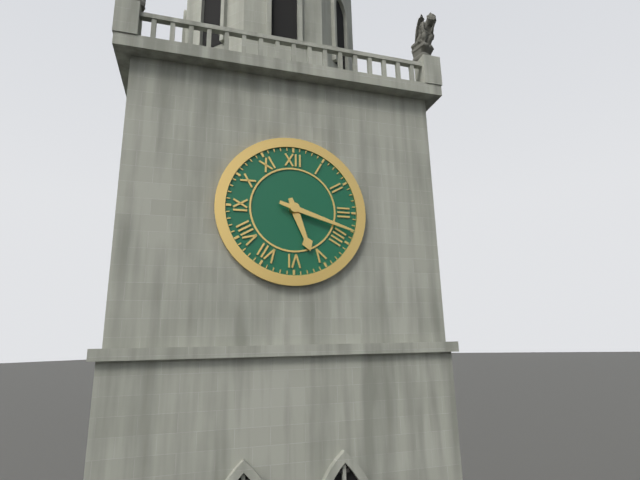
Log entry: 5 h 18 min
